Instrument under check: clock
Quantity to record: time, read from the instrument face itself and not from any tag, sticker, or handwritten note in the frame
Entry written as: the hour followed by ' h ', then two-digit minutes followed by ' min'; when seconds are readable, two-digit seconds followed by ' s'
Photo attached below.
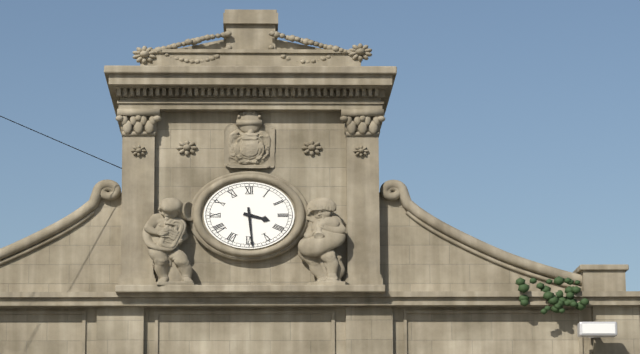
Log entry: 3 h 29 min
